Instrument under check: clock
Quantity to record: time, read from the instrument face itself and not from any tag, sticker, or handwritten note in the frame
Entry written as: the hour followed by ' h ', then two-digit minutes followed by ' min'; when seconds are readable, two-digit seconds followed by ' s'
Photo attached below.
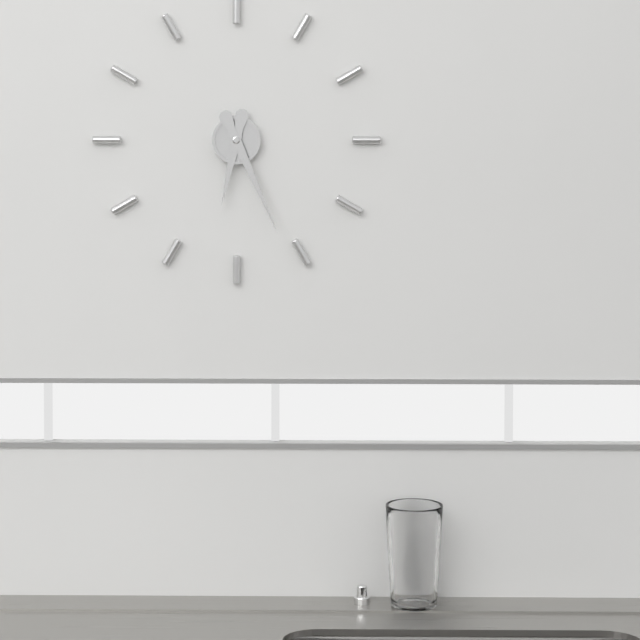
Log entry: 6 h 26 min
